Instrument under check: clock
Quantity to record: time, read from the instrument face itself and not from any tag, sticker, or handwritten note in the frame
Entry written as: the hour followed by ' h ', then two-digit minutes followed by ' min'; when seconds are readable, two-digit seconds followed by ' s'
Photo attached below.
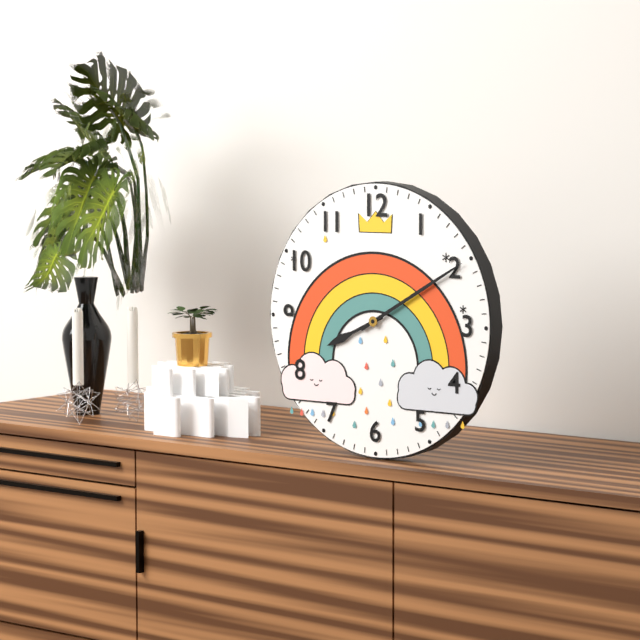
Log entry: 8 h 10 min
